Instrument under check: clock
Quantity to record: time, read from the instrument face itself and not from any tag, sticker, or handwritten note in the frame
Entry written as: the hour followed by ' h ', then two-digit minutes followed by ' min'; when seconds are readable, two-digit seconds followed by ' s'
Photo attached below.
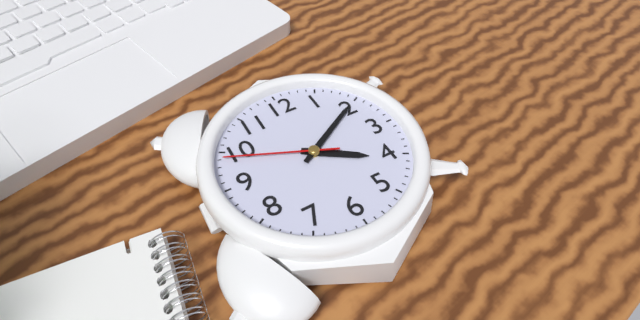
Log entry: 4 h 10 min 49 s
